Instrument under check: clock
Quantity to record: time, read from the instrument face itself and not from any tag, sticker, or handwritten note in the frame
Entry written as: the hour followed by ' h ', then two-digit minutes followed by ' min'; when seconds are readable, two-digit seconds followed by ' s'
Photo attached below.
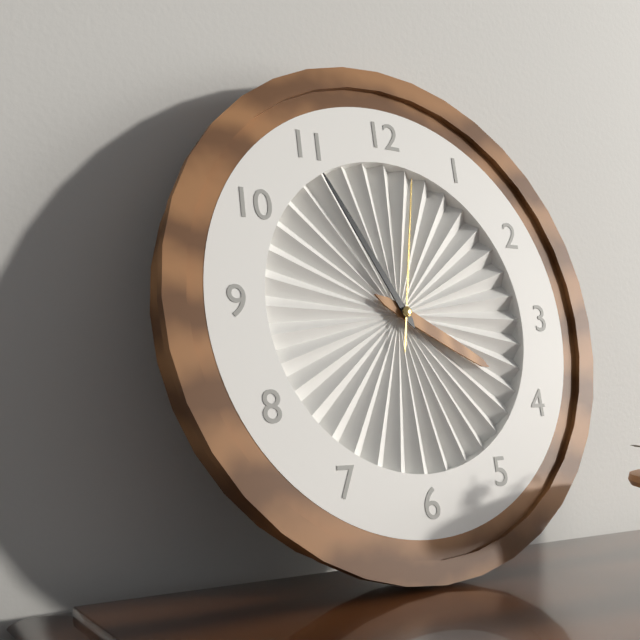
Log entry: 3 h 55 min 02 s
